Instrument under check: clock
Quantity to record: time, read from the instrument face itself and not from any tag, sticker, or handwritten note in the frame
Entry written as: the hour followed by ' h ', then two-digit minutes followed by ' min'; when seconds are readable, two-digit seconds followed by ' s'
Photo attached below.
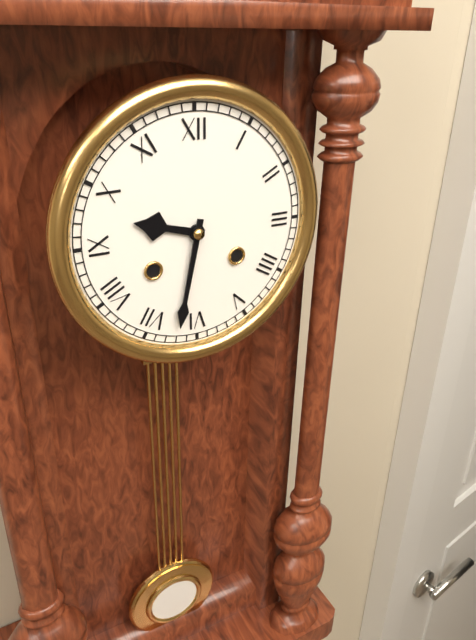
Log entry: 9 h 32 min
